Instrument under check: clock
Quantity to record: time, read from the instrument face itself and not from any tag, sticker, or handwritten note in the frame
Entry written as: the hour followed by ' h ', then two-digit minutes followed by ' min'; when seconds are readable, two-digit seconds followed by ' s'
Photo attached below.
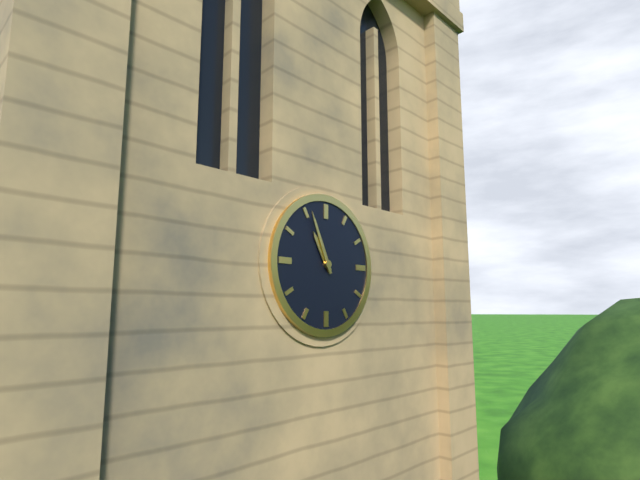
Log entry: 10 h 56 min
